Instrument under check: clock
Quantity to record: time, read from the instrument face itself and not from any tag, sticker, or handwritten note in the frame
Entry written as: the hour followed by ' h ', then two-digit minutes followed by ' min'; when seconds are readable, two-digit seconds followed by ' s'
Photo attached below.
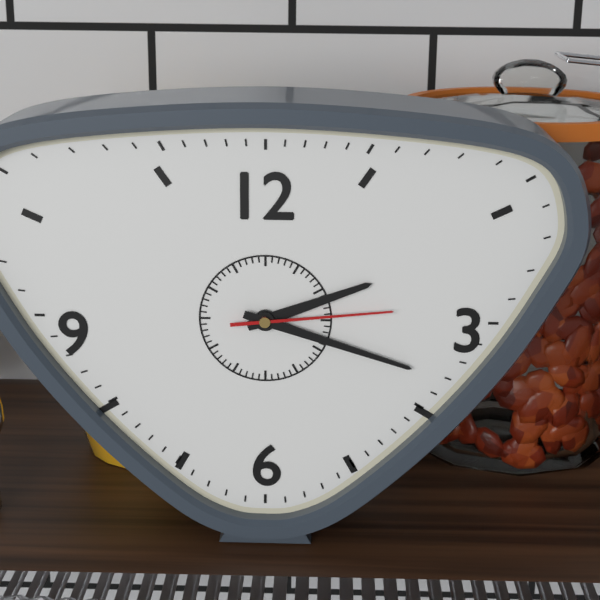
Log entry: 2 h 18 min 14 s
